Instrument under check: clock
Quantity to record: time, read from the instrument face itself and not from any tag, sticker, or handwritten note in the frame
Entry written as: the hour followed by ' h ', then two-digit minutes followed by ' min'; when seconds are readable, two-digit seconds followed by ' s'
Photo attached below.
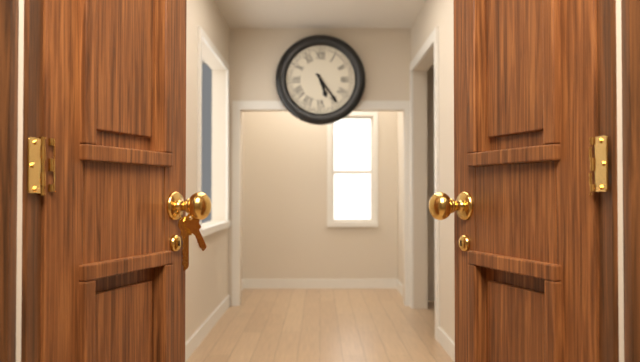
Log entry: 5 h 24 min
